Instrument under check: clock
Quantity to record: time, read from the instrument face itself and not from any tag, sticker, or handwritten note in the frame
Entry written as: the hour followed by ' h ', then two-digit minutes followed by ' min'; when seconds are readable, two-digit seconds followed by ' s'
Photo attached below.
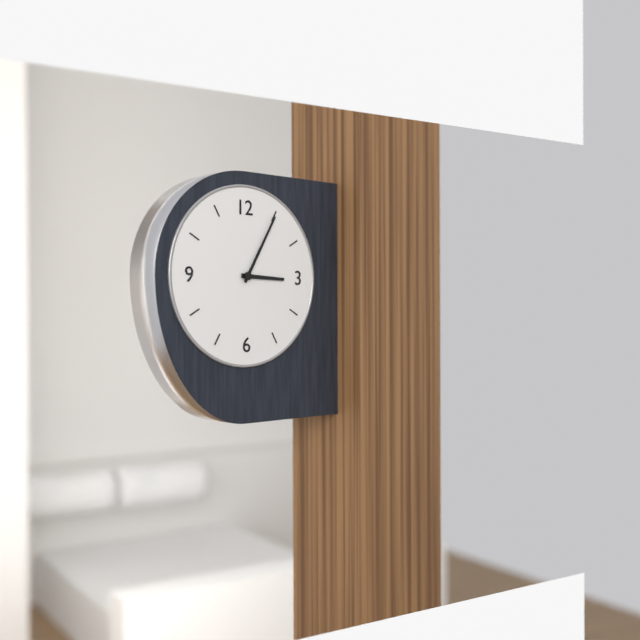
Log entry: 3 h 05 min
